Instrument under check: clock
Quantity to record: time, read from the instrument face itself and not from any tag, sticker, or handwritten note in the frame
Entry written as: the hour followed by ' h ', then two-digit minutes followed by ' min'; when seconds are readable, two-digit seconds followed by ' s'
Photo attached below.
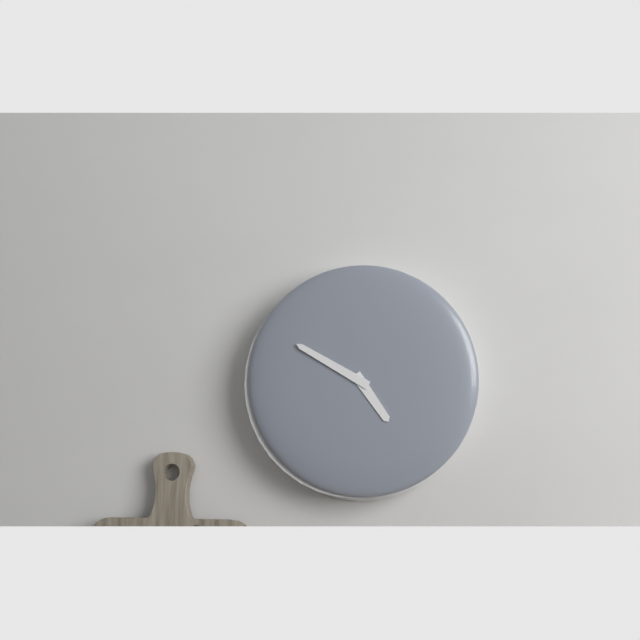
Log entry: 4 h 50 min
